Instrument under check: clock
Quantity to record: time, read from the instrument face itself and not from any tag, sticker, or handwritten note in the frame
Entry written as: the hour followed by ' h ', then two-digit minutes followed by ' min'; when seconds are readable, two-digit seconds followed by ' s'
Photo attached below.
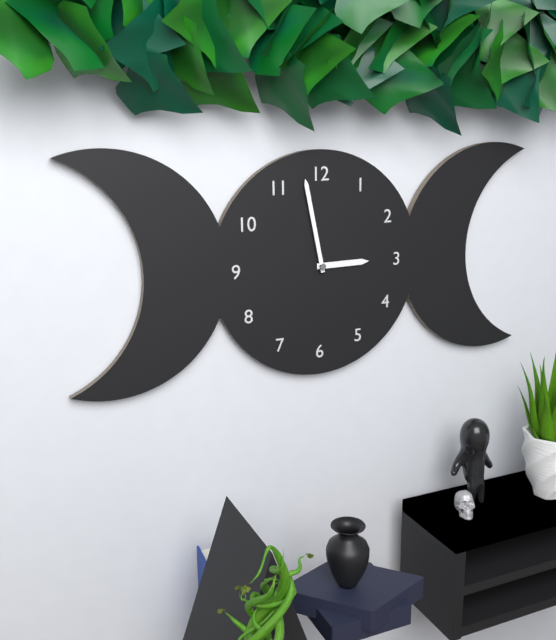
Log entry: 2 h 58 min
